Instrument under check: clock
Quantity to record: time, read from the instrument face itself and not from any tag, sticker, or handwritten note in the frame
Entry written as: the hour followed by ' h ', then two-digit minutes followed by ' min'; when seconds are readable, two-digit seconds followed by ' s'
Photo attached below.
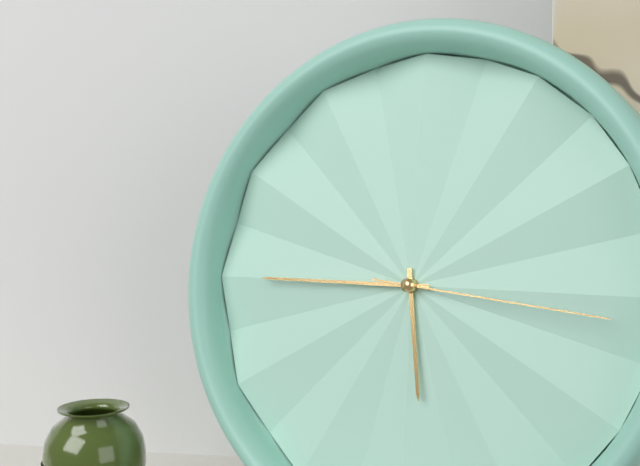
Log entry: 5 h 45 min 16 s
